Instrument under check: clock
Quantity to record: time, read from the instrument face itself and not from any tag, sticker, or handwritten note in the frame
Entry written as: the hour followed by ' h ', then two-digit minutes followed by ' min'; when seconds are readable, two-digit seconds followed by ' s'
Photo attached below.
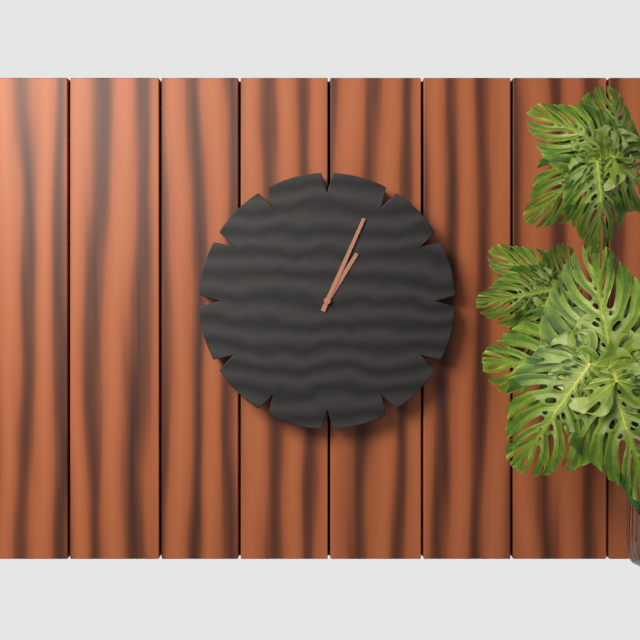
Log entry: 1 h 04 min
